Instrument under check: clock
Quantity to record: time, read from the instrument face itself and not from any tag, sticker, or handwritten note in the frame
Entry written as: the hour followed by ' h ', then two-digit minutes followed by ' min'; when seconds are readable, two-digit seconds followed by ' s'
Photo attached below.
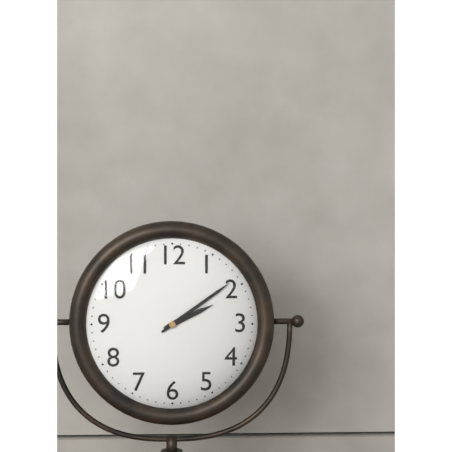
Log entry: 2 h 09 min
